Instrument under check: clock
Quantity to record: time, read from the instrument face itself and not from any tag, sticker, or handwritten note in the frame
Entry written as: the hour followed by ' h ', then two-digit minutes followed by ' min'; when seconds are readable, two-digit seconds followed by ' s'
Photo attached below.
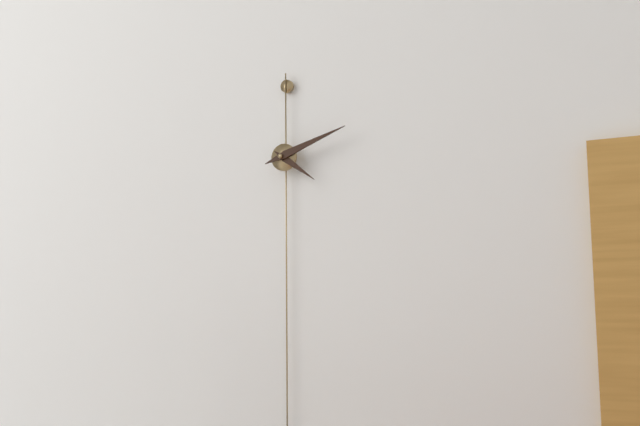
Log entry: 4 h 12 min
